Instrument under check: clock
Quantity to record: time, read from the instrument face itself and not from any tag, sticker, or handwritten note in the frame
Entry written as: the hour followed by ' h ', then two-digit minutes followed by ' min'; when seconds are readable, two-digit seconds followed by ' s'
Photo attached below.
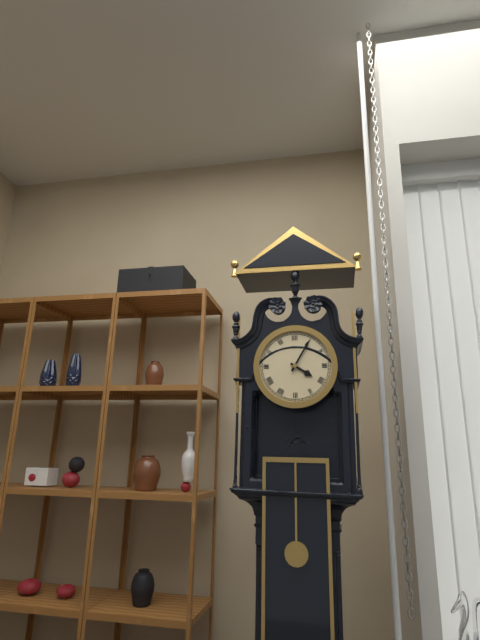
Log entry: 4 h 05 min
